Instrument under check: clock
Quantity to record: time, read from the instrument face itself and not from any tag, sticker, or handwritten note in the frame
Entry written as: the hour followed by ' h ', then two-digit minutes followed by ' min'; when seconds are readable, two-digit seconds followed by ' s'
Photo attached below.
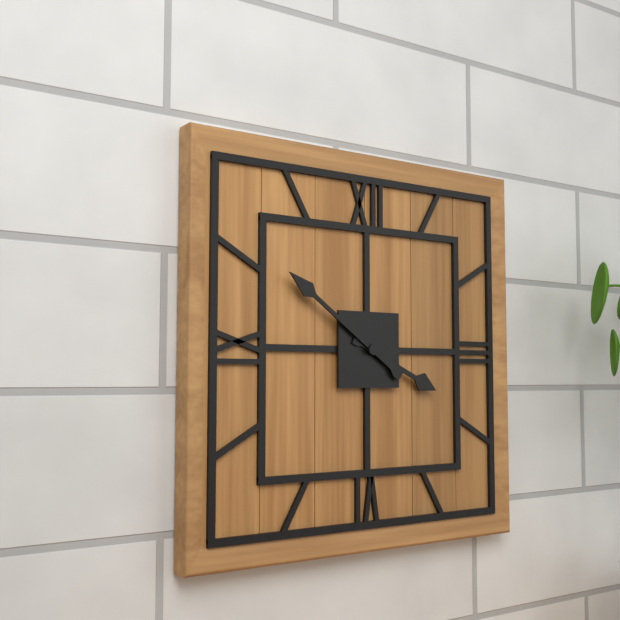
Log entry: 3 h 51 min
